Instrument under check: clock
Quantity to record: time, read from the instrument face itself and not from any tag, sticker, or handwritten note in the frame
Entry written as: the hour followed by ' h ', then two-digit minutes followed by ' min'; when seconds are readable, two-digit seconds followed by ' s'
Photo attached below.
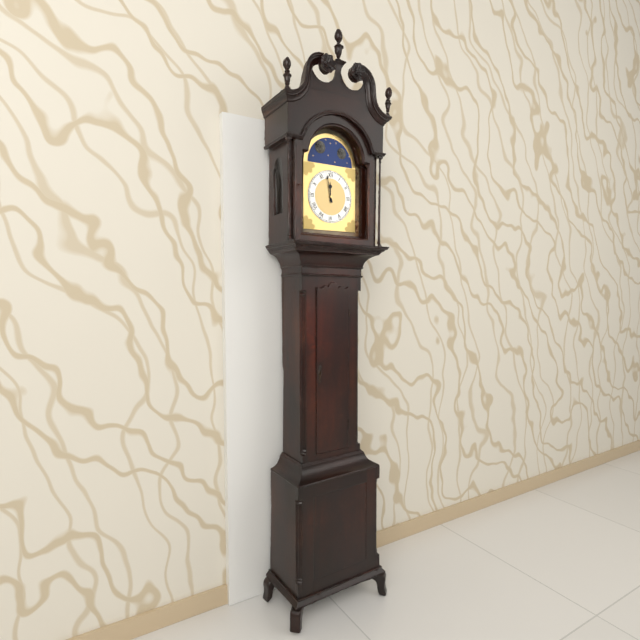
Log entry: 11 h 58 min
